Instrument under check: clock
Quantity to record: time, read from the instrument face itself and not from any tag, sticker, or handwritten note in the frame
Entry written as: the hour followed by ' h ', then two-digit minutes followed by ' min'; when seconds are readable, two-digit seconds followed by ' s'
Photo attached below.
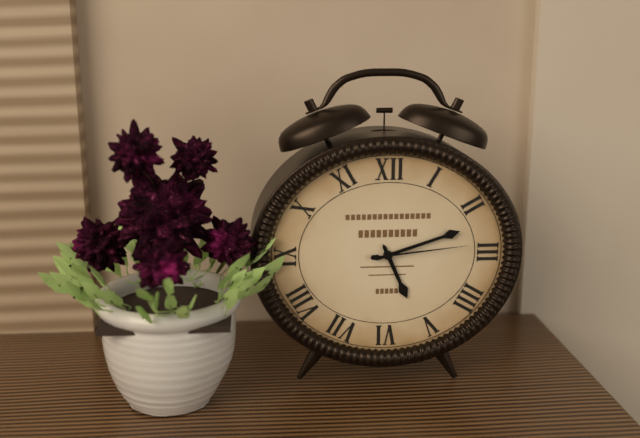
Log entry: 5 h 12 min 14 s
